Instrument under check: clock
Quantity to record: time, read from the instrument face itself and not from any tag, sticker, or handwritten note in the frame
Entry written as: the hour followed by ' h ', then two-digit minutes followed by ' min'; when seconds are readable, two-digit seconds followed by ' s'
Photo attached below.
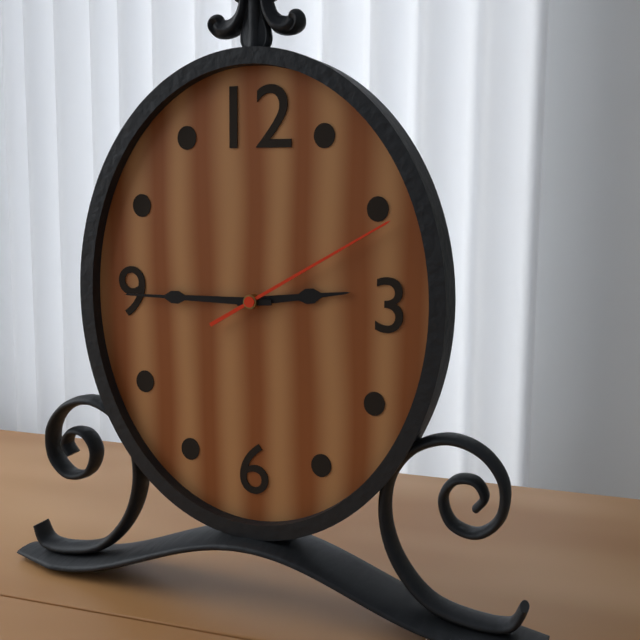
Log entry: 2 h 45 min 10 s
